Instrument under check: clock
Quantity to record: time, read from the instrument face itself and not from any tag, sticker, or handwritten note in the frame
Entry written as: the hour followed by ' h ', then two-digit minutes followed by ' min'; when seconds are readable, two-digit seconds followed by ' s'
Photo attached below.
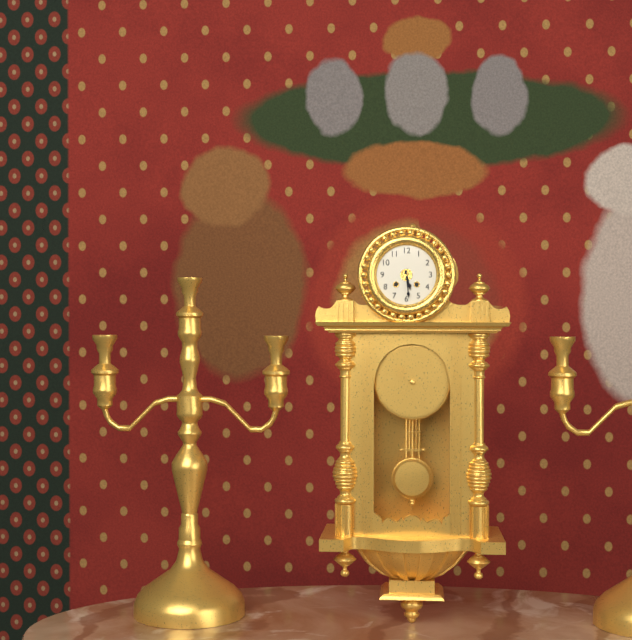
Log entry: 5 h 29 min
